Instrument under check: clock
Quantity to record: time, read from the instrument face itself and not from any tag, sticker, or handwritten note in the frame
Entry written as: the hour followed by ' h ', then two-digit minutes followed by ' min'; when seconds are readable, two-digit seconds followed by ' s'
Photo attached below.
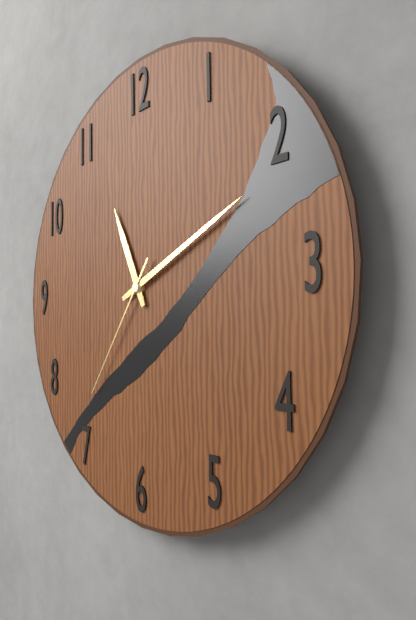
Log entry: 11 h 11 min 36 s
